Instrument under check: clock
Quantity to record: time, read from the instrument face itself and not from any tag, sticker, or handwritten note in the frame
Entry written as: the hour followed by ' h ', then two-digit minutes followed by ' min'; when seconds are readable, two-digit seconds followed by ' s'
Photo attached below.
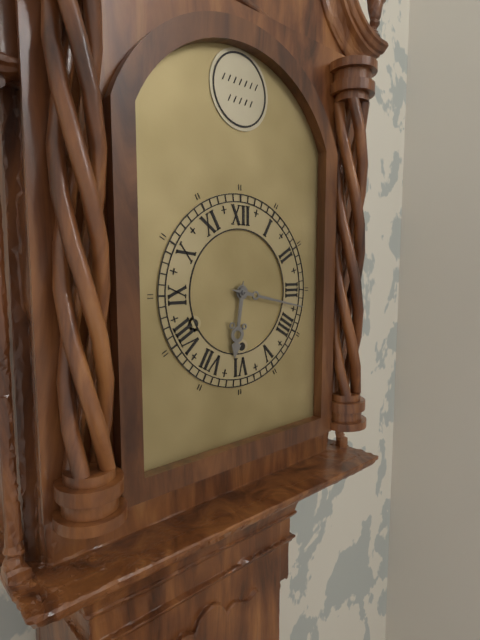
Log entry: 6 h 17 min
